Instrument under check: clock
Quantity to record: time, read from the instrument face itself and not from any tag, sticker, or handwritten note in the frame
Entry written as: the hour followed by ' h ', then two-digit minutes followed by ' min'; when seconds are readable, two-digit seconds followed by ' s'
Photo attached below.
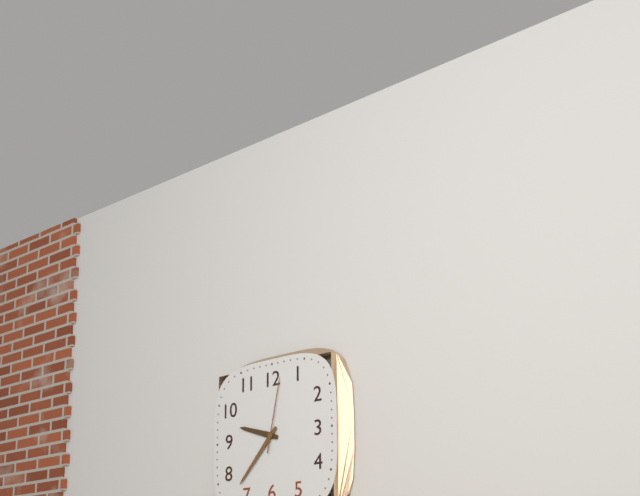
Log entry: 9 h 37 min 02 s
